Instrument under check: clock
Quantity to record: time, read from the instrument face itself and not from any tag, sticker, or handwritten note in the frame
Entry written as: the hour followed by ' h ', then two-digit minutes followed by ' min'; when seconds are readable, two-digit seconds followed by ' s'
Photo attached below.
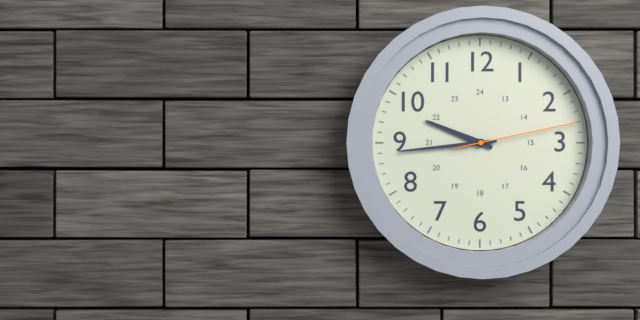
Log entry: 9 h 44 min 13 s
